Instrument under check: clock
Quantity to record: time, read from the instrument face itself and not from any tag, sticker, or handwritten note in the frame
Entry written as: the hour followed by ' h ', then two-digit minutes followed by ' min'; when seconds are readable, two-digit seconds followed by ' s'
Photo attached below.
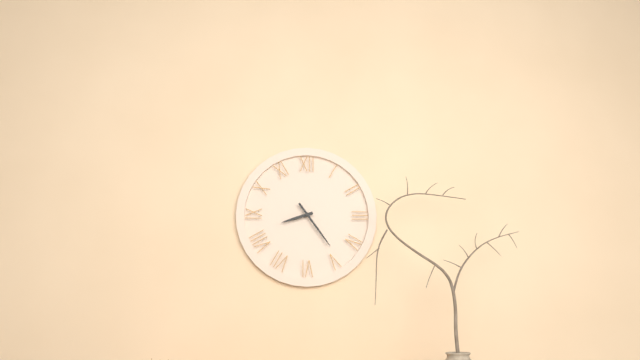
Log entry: 8 h 24 min
